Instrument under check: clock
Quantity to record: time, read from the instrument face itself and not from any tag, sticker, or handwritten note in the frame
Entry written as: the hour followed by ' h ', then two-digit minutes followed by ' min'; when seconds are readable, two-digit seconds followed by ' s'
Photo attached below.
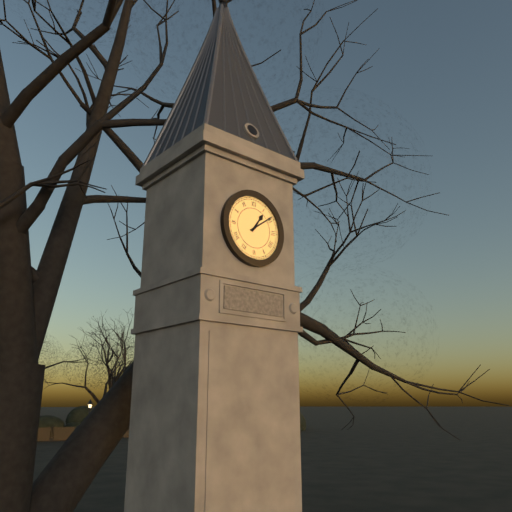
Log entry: 1 h 09 min
